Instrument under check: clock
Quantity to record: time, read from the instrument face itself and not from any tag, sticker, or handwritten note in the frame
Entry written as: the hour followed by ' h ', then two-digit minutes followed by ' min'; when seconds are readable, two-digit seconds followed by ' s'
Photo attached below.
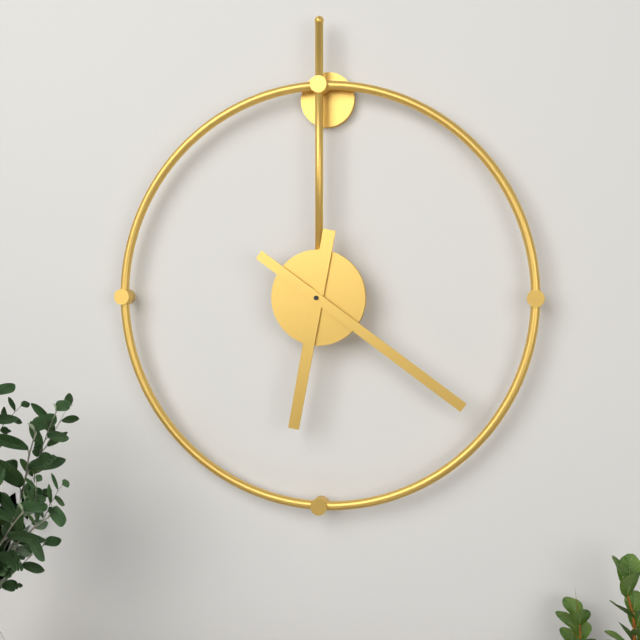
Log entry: 6 h 21 min
